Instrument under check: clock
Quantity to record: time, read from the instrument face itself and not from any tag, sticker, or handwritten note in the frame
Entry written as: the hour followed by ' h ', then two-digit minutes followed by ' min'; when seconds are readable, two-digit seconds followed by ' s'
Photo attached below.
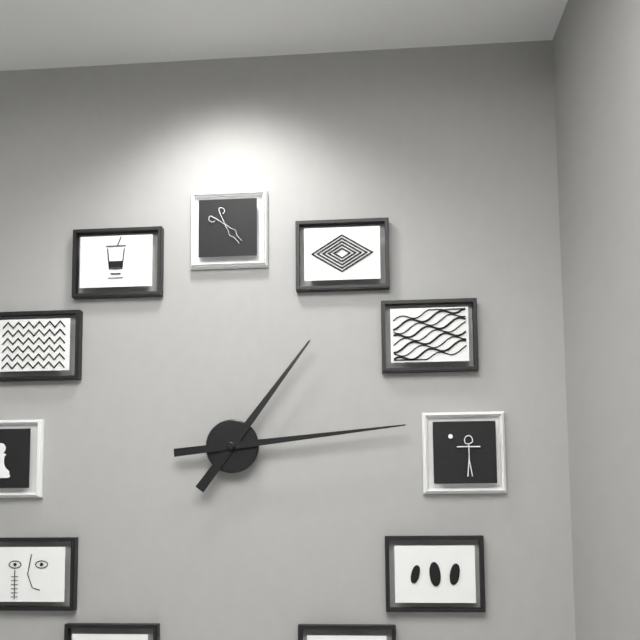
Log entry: 1 h 14 min
